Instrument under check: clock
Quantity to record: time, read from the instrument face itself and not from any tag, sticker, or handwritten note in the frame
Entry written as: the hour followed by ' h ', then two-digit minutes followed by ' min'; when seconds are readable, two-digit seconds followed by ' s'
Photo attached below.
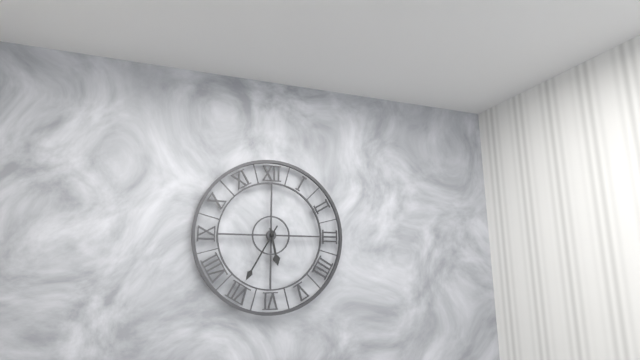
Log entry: 5 h 35 min
